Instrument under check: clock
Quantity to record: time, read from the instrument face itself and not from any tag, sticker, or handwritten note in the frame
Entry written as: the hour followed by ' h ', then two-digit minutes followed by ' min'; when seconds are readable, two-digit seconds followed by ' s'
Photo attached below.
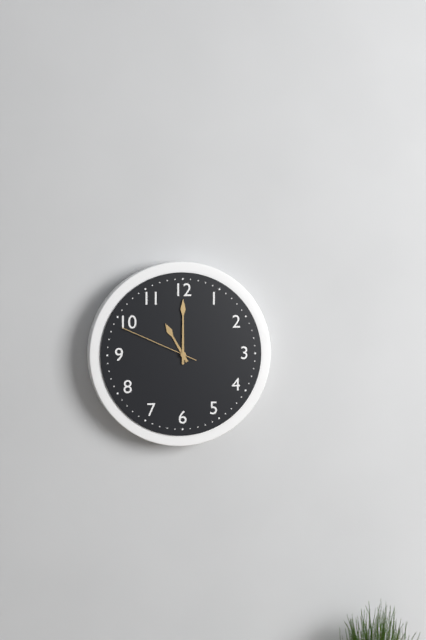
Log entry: 11 h 00 min 49 s
